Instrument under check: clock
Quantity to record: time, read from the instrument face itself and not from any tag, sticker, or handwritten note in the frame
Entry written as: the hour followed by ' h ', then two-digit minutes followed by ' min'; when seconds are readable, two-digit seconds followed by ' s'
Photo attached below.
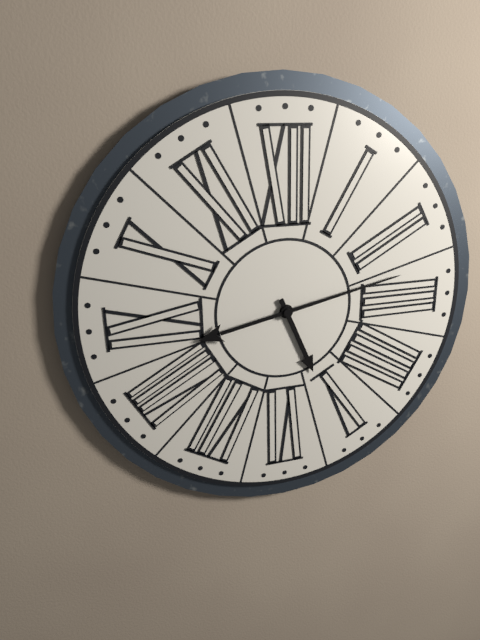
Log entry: 5 h 13 min
